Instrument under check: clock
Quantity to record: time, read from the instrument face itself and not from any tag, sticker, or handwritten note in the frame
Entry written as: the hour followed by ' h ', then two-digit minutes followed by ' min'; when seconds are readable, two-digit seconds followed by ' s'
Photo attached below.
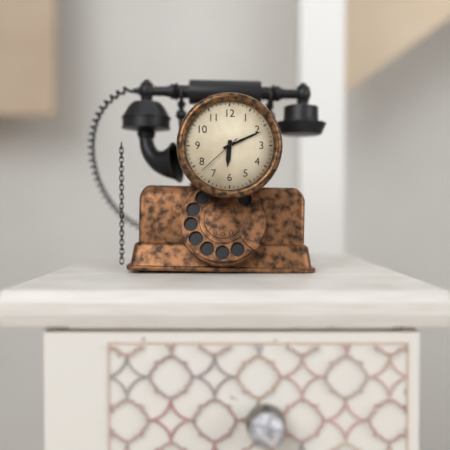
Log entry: 6 h 11 min
